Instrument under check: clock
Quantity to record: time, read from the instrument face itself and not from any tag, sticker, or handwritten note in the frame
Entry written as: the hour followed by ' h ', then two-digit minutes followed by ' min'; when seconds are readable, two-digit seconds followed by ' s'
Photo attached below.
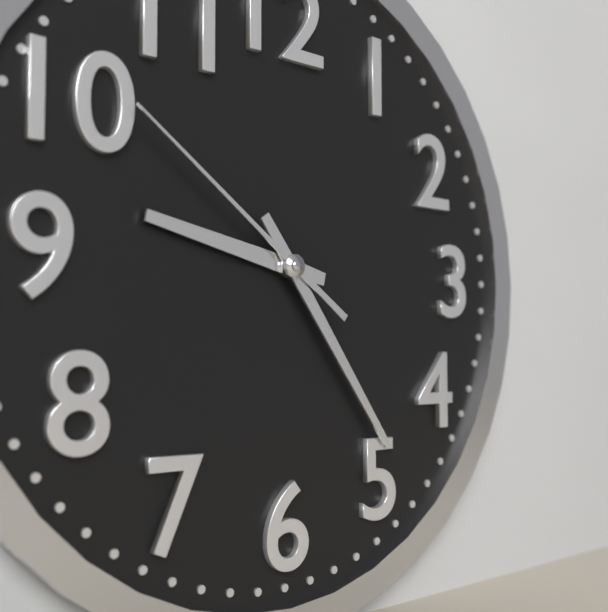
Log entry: 9 h 24 min 51 s
